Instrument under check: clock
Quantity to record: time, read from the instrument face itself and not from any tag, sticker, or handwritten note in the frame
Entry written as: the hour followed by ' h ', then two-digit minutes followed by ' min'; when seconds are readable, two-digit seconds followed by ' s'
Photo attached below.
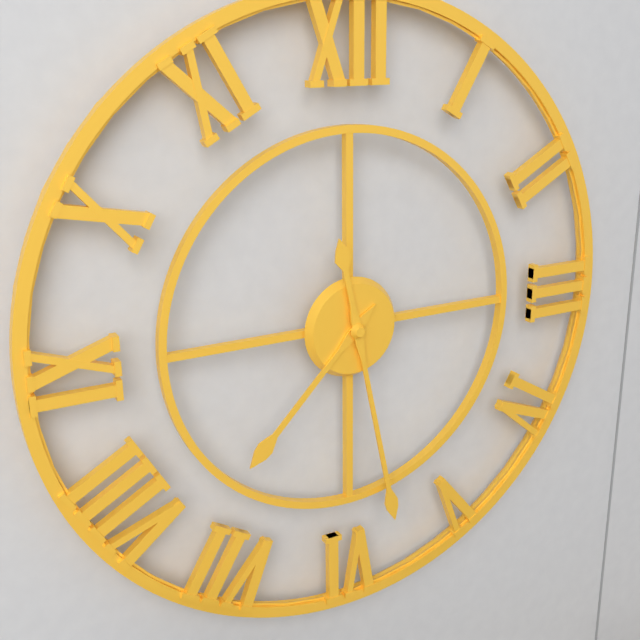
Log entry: 7 h 28 min
